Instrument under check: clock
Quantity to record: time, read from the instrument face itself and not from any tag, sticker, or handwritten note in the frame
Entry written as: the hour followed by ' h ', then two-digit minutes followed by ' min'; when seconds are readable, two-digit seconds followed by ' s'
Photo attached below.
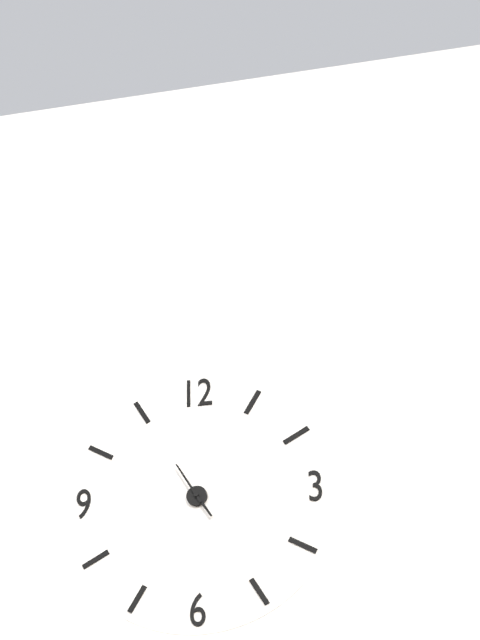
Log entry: 4 h 55 min
